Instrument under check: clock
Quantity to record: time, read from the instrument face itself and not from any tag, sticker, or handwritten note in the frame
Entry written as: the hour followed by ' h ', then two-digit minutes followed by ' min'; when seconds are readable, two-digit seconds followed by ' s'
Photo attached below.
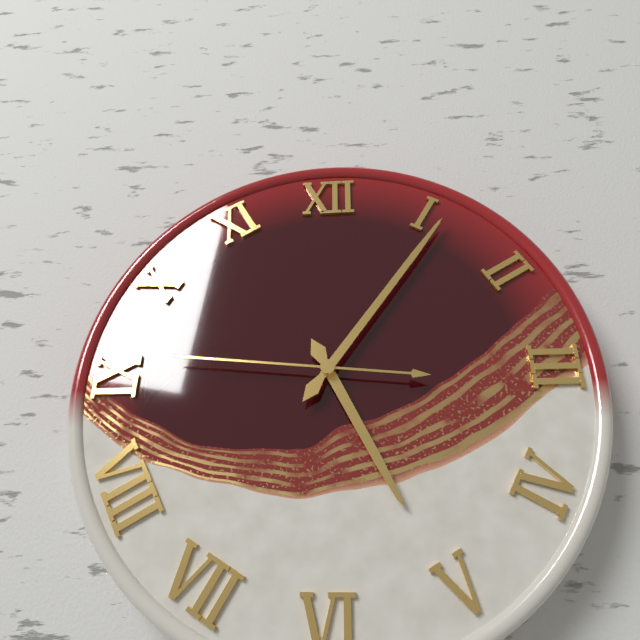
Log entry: 5 h 06 min 46 s
